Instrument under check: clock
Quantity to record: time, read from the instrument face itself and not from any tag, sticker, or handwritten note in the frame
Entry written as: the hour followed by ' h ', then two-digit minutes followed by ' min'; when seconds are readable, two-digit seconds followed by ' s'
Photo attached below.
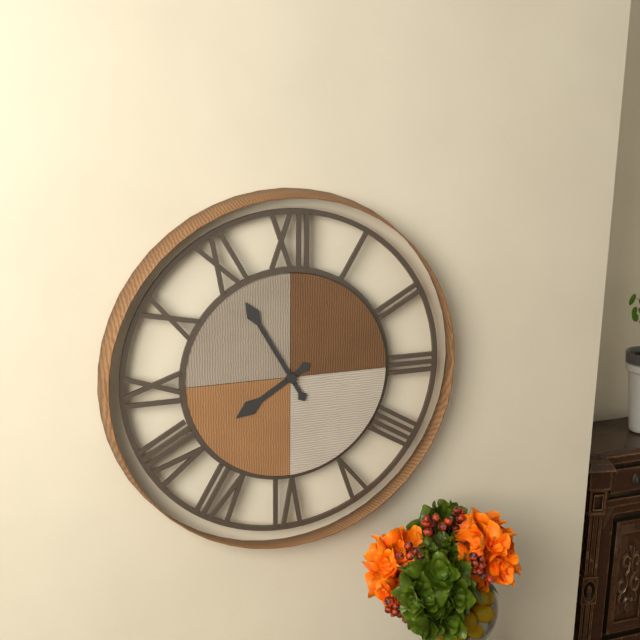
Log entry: 7 h 55 min
